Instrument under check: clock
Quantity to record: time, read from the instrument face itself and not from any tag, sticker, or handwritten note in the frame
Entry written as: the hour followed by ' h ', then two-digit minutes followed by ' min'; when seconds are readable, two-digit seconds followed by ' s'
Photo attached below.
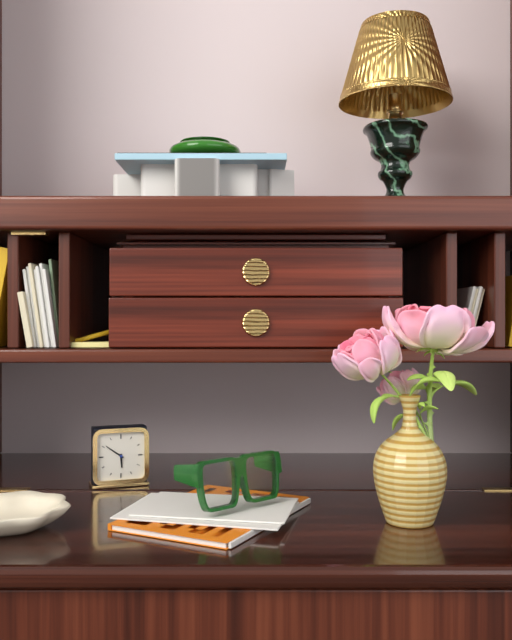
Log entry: 5 h 51 min
